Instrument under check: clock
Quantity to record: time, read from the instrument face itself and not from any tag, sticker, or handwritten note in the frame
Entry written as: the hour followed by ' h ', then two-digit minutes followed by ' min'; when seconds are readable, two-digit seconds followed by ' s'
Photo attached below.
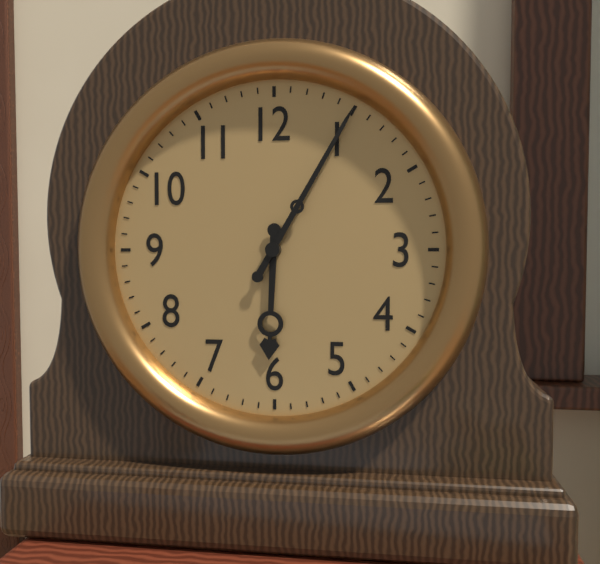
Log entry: 6 h 05 min
